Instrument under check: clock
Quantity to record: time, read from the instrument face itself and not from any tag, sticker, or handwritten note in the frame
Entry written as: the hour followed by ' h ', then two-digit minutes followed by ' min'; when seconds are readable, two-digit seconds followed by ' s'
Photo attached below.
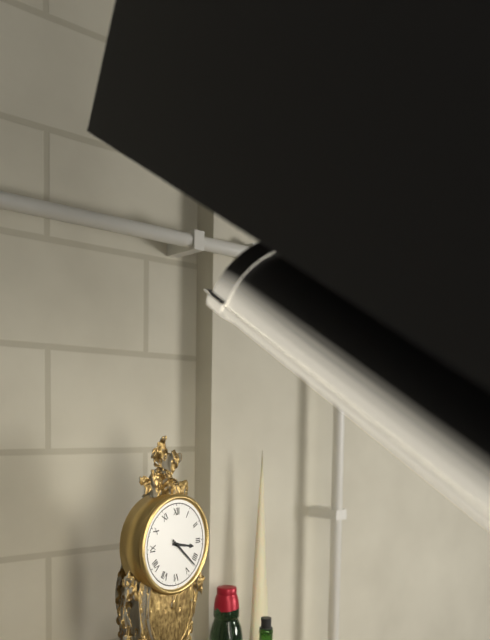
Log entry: 3 h 22 min
